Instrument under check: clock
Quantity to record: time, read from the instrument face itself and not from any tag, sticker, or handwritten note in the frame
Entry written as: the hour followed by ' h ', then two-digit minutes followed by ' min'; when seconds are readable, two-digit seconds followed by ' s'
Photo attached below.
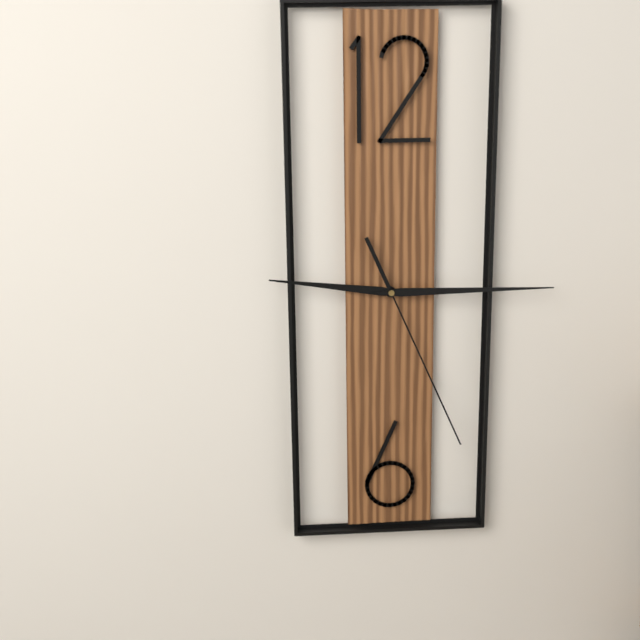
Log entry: 9 h 15 min 26 s
